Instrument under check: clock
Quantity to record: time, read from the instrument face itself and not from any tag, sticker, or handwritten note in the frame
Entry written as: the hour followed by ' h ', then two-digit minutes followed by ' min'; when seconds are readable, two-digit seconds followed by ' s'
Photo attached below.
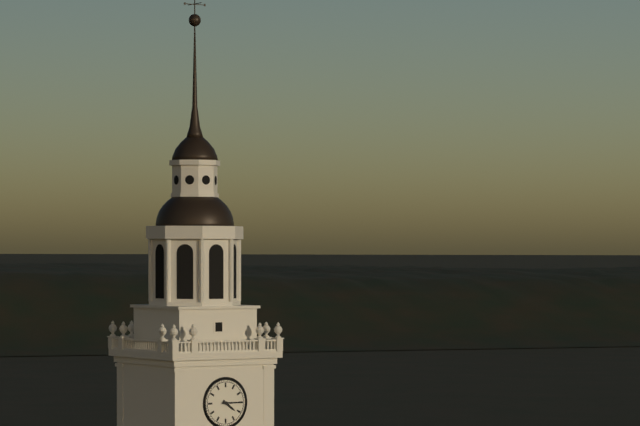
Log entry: 4 h 15 min
